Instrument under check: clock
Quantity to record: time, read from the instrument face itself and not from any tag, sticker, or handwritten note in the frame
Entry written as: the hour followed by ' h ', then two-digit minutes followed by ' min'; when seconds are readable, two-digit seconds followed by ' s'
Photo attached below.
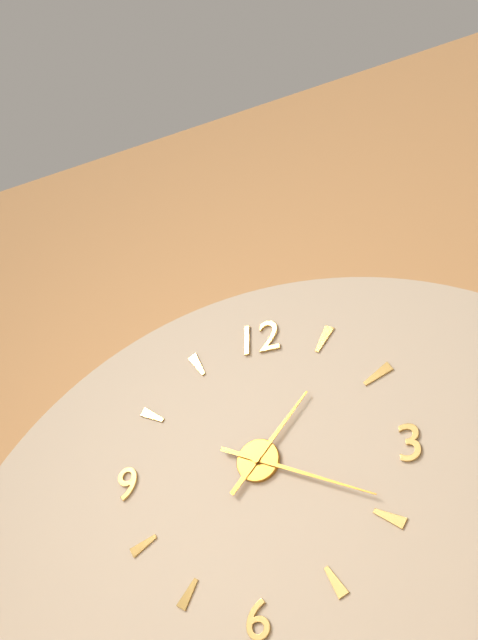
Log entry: 1 h 19 min
